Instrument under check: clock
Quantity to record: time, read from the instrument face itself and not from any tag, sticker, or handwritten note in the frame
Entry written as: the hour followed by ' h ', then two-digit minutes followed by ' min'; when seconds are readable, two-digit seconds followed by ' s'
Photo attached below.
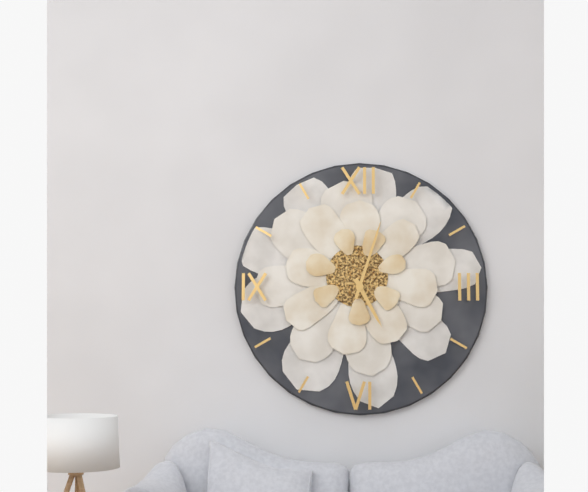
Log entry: 5 h 03 min
